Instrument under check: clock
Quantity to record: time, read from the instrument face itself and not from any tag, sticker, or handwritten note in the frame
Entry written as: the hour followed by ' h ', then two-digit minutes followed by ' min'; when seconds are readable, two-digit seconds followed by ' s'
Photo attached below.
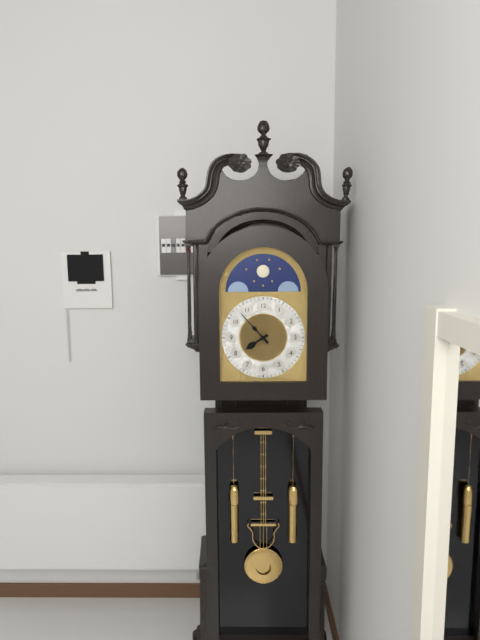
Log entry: 7 h 53 min
